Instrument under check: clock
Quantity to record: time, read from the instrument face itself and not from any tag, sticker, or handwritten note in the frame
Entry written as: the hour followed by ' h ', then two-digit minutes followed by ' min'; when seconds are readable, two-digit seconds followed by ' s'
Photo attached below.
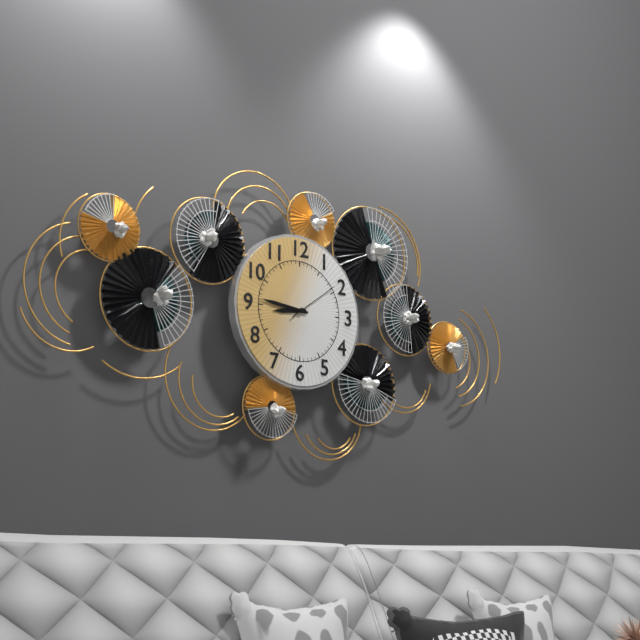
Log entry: 8 h 46 min 09 s
